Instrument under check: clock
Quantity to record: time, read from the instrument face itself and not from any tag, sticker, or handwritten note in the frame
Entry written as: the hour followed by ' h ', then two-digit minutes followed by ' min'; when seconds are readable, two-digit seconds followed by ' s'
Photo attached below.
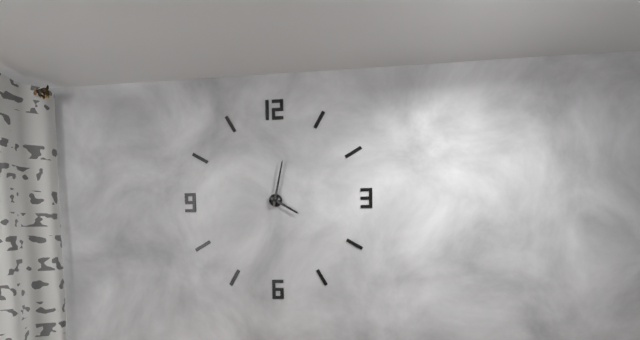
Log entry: 4 h 02 min
